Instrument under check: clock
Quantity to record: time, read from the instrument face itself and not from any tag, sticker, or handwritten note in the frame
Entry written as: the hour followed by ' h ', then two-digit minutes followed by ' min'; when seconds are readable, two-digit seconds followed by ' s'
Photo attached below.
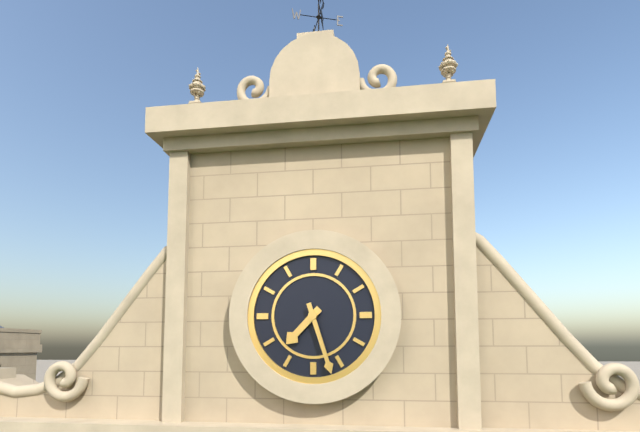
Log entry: 7 h 27 min
